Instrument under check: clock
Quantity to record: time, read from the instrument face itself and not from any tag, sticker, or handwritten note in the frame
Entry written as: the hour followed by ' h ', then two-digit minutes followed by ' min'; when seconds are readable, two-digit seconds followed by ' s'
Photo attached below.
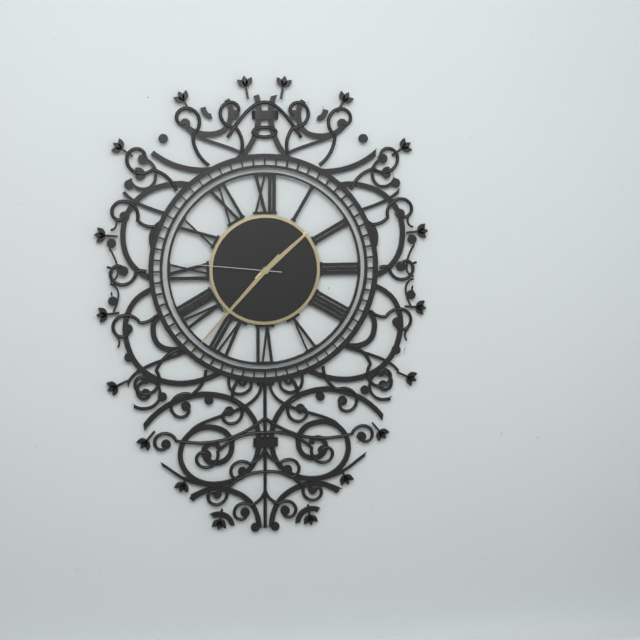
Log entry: 1 h 37 min 46 s
